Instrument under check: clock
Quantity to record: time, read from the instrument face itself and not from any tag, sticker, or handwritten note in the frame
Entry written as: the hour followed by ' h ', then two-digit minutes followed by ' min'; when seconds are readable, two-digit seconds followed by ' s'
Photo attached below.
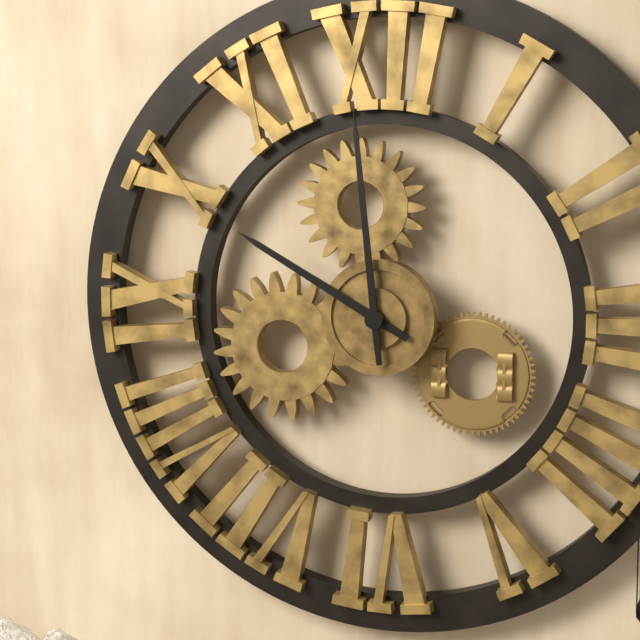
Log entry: 9 h 59 min
